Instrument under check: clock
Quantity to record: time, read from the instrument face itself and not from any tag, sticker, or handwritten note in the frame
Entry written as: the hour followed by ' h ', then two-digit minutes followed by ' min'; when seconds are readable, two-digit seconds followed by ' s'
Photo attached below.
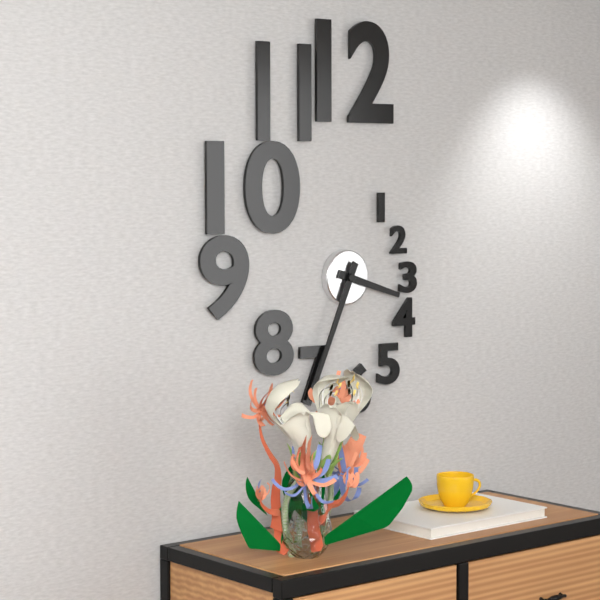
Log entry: 3 h 34 min
